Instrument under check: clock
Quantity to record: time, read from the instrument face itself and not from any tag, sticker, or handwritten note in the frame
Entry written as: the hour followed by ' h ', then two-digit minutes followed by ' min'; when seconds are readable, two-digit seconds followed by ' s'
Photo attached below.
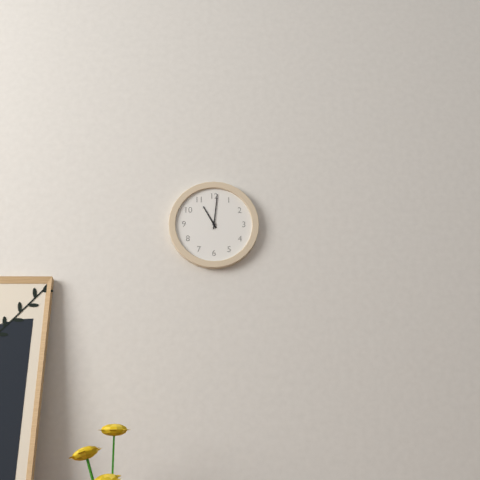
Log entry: 11 h 01 min
